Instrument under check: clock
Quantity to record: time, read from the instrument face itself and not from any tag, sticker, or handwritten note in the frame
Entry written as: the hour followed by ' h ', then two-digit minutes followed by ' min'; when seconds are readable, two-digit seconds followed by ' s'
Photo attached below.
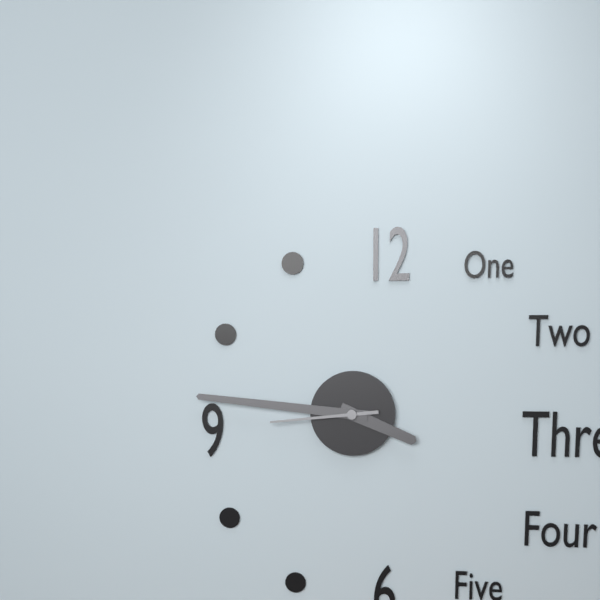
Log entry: 3 h 46 min 44 s
